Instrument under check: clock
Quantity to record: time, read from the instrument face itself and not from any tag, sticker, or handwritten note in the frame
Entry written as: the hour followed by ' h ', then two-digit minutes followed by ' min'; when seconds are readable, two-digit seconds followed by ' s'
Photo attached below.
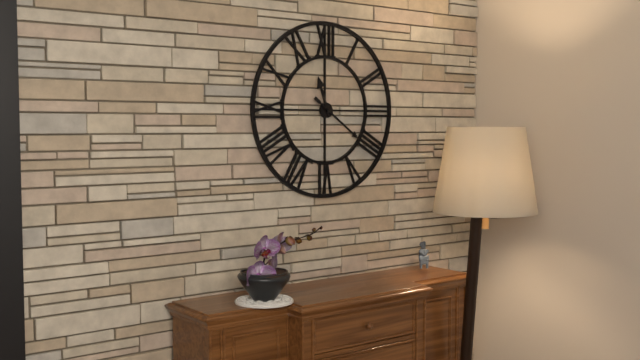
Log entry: 11 h 21 min
